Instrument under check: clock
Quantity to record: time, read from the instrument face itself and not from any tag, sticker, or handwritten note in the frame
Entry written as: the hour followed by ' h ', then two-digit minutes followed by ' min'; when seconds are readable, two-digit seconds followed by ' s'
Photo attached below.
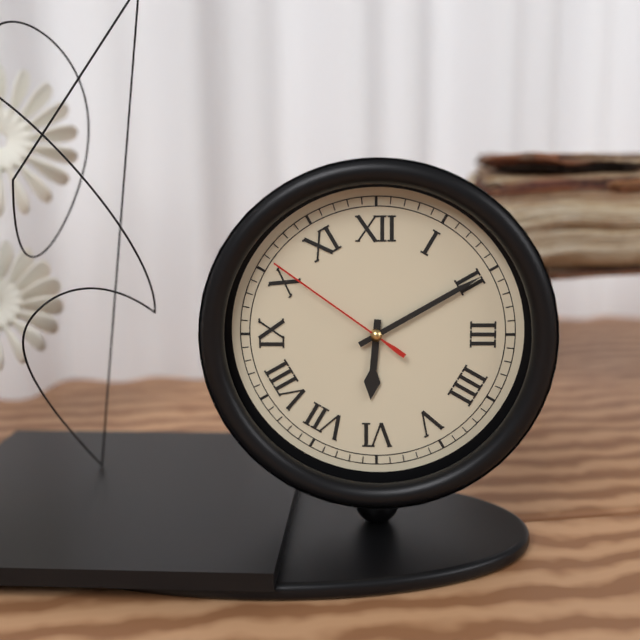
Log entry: 6 h 10 min 51 s
